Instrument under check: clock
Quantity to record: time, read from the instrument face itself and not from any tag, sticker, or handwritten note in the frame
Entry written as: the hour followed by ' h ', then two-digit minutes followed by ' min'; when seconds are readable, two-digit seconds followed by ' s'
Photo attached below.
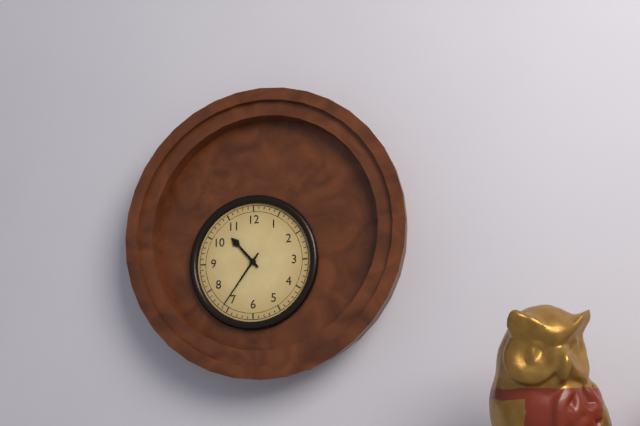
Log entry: 10 h 36 min
